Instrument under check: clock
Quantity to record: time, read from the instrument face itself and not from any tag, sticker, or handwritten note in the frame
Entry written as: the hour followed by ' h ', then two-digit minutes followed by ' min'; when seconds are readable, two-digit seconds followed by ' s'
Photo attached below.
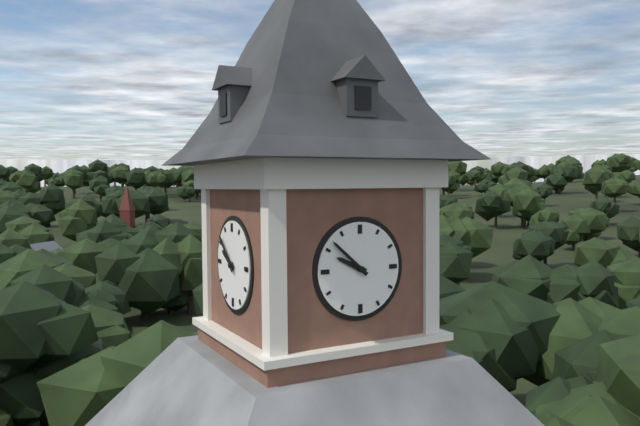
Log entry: 9 h 52 min
